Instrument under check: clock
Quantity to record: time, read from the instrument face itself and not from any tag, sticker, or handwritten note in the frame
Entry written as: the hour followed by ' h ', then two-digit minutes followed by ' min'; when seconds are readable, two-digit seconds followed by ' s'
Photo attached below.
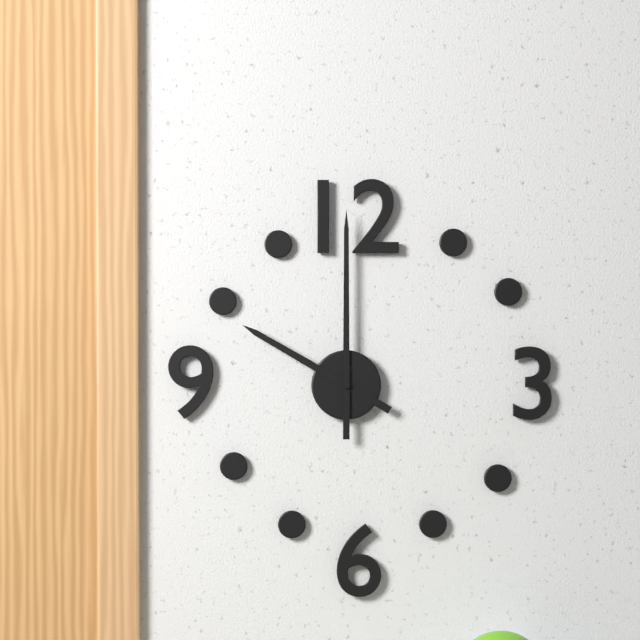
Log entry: 10 h 00 min
